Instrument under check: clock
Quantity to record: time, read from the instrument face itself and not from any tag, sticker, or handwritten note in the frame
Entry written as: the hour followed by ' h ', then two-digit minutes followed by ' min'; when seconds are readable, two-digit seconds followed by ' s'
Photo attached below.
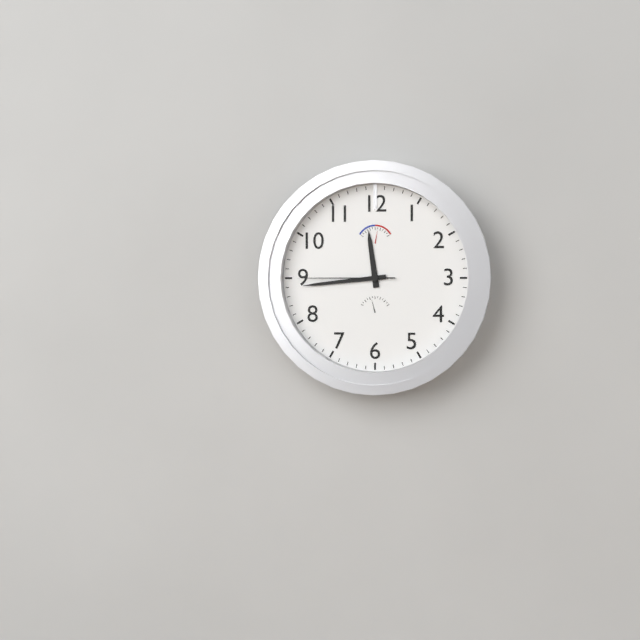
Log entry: 11 h 44 min 45 s
